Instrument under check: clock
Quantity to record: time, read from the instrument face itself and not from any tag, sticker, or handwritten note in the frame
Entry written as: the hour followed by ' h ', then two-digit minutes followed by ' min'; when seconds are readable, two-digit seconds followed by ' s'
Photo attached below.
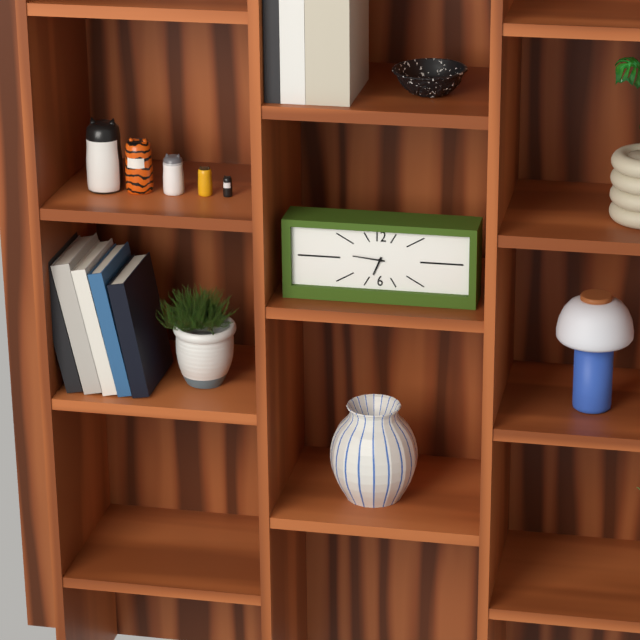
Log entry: 6 h 46 min
